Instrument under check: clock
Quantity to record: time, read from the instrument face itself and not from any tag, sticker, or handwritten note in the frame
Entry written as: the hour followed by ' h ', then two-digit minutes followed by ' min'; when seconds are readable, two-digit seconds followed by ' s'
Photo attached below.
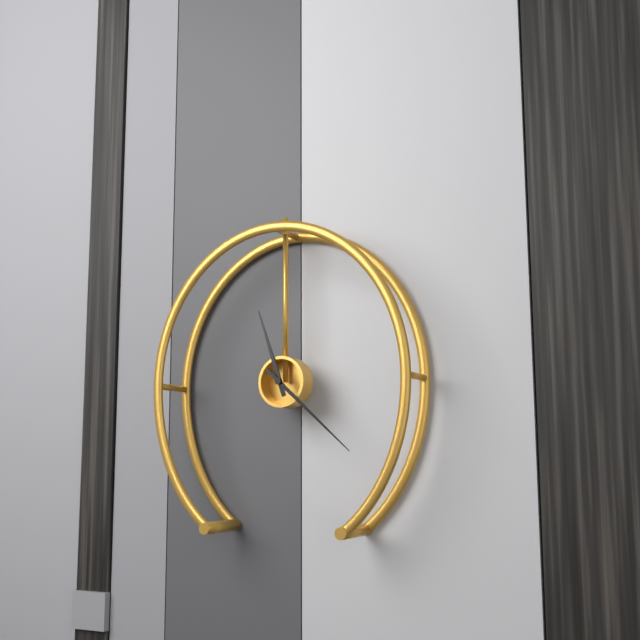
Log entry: 11 h 22 min
